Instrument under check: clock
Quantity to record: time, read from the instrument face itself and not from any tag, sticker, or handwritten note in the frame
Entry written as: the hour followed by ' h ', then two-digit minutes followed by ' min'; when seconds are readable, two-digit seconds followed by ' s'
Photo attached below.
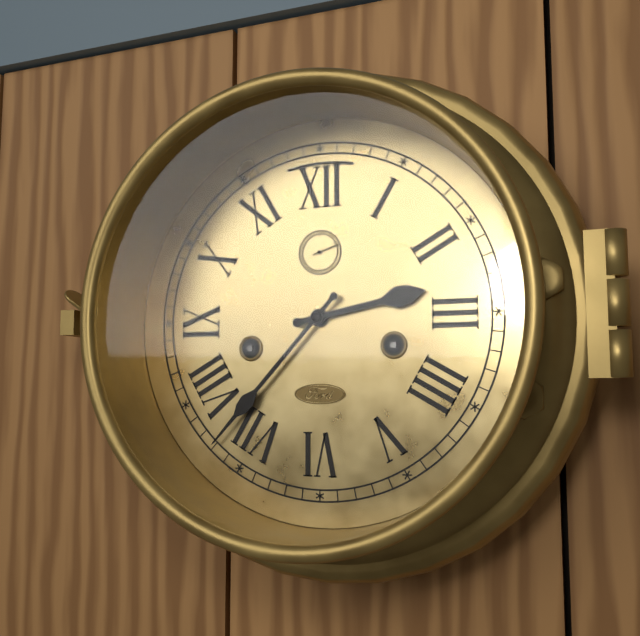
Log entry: 2 h 37 min
